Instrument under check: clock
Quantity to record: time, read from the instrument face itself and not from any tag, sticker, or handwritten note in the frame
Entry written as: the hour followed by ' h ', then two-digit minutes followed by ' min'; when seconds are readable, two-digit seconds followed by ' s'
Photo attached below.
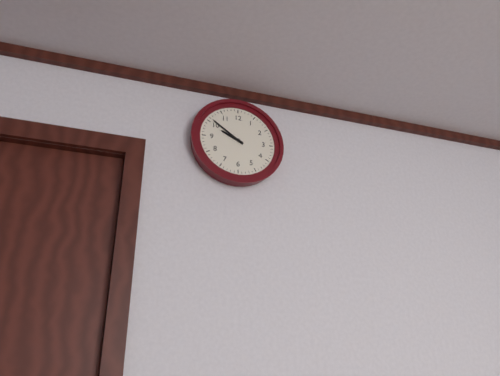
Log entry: 9 h 51 min
